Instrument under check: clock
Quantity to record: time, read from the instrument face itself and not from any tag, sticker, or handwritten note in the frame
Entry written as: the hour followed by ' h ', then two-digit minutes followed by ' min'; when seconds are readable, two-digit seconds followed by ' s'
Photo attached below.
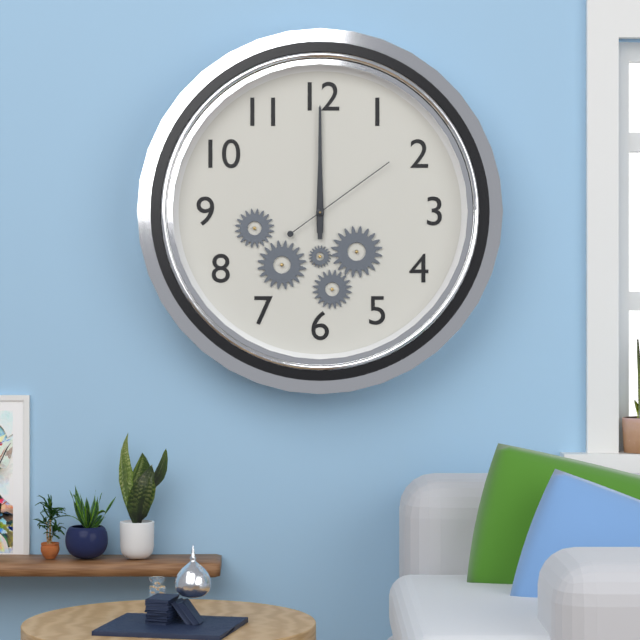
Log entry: 12 h 00 min 09 s
